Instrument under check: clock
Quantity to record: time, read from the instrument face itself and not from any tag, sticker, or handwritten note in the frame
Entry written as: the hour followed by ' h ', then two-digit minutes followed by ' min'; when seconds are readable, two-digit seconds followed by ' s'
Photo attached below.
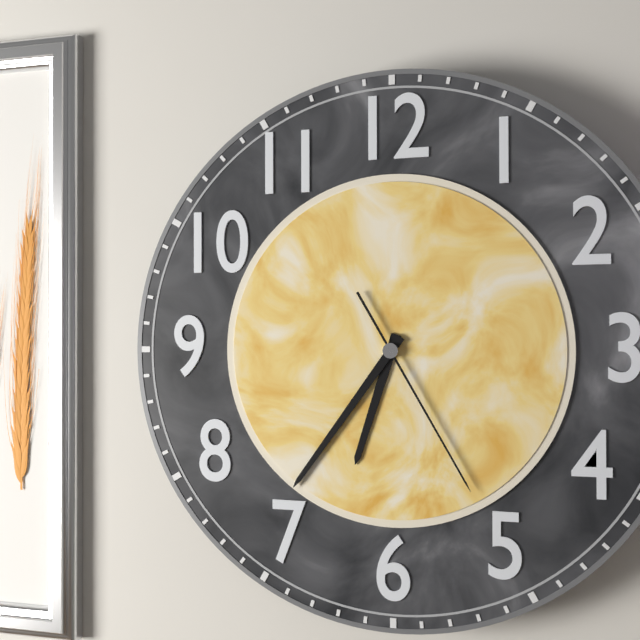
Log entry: 6 h 36 min 25 s
